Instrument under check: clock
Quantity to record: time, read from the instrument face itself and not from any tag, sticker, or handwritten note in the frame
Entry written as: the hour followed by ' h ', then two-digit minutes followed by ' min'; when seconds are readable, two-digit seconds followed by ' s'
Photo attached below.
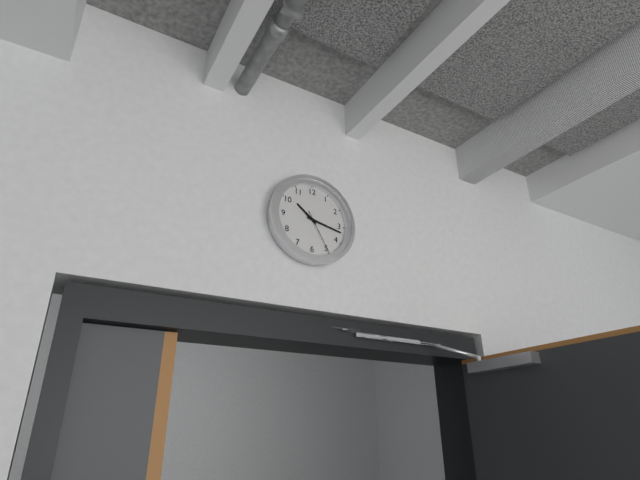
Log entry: 10 h 17 min
